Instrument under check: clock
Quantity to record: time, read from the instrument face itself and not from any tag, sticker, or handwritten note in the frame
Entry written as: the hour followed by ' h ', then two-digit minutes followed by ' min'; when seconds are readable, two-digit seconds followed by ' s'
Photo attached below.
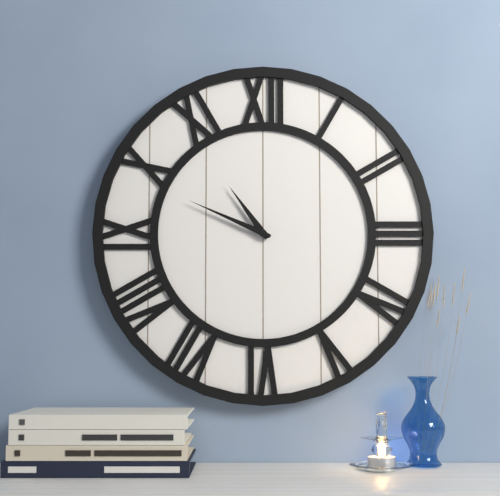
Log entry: 10 h 49 min
